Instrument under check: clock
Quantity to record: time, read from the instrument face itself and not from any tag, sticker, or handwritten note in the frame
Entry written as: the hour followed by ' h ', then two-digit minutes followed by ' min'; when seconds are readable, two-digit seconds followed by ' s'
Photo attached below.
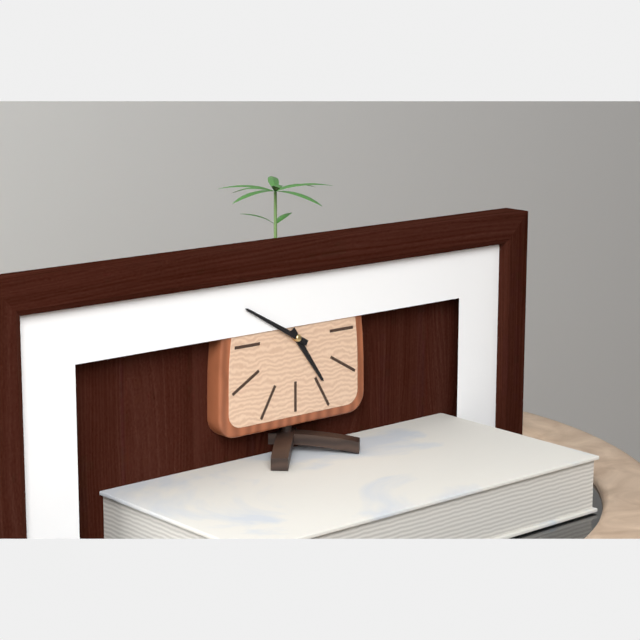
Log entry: 4 h 50 min
